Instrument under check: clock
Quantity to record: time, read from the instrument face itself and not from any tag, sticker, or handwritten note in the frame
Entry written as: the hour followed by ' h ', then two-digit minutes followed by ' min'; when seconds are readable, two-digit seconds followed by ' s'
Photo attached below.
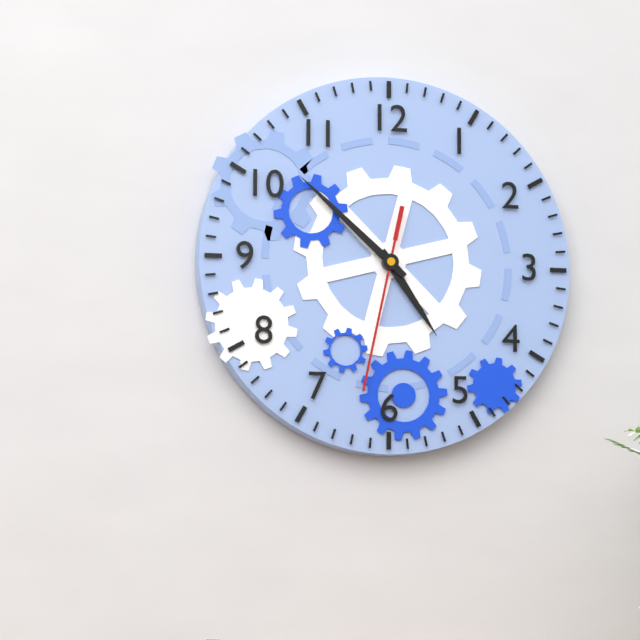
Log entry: 4 h 52 min 32 s
